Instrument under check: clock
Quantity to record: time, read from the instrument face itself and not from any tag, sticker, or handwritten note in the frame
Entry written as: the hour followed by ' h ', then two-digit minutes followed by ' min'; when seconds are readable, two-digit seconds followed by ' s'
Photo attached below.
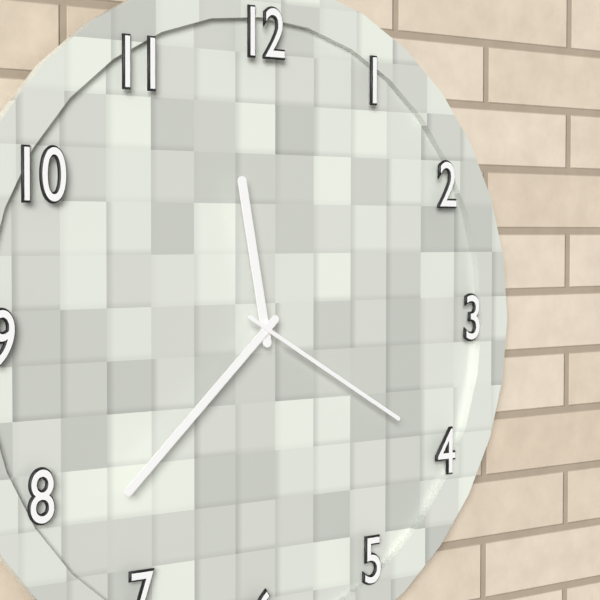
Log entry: 11 h 38 min 20 s
